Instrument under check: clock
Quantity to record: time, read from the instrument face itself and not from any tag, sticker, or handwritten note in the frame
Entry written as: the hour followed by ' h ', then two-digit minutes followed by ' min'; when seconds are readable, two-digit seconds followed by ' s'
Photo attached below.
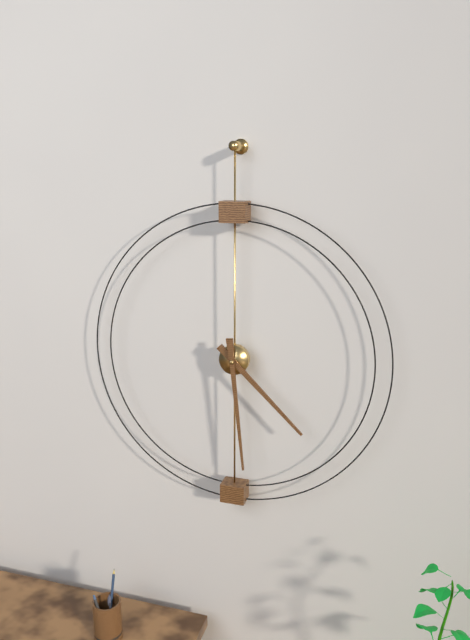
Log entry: 4 h 29 min
